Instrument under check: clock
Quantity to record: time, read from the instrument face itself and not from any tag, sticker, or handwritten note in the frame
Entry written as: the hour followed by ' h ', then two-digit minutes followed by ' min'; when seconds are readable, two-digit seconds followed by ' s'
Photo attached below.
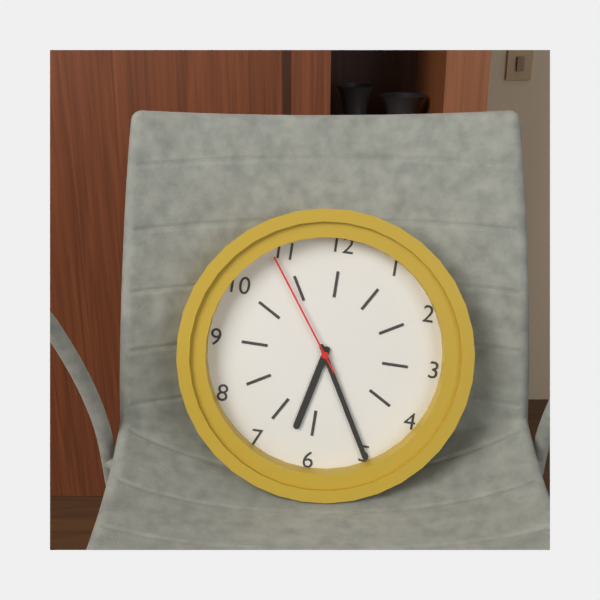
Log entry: 6 h 25 min 54 s
